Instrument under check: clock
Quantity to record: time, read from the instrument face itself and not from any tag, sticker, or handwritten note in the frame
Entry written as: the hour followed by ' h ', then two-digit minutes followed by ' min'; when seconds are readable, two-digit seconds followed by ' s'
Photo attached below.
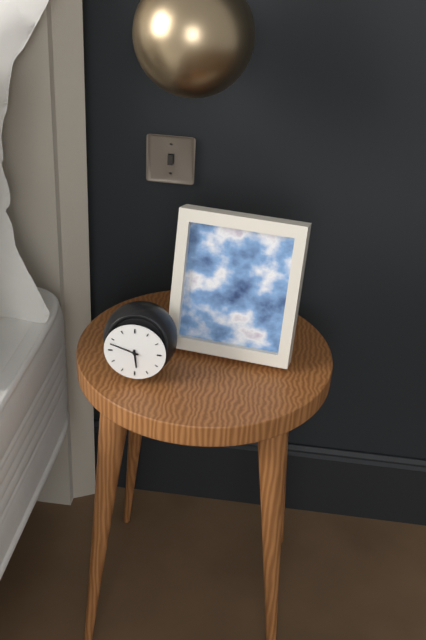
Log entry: 5 h 48 min
